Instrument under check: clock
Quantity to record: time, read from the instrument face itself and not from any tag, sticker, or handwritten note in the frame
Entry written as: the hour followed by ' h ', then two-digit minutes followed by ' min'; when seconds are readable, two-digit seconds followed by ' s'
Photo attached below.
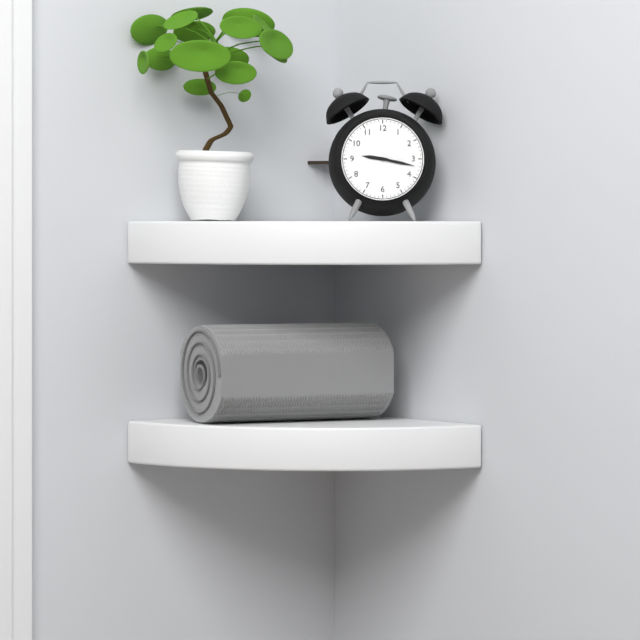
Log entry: 9 h 17 min
